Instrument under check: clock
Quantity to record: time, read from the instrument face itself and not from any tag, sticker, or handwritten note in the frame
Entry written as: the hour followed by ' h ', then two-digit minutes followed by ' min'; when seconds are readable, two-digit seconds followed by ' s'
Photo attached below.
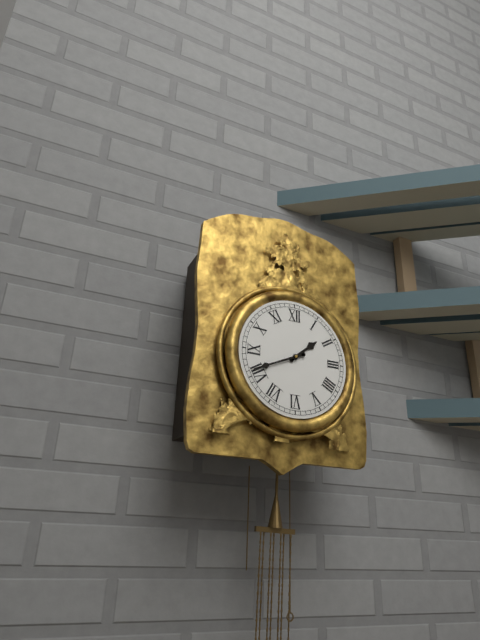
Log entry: 1 h 41 min
